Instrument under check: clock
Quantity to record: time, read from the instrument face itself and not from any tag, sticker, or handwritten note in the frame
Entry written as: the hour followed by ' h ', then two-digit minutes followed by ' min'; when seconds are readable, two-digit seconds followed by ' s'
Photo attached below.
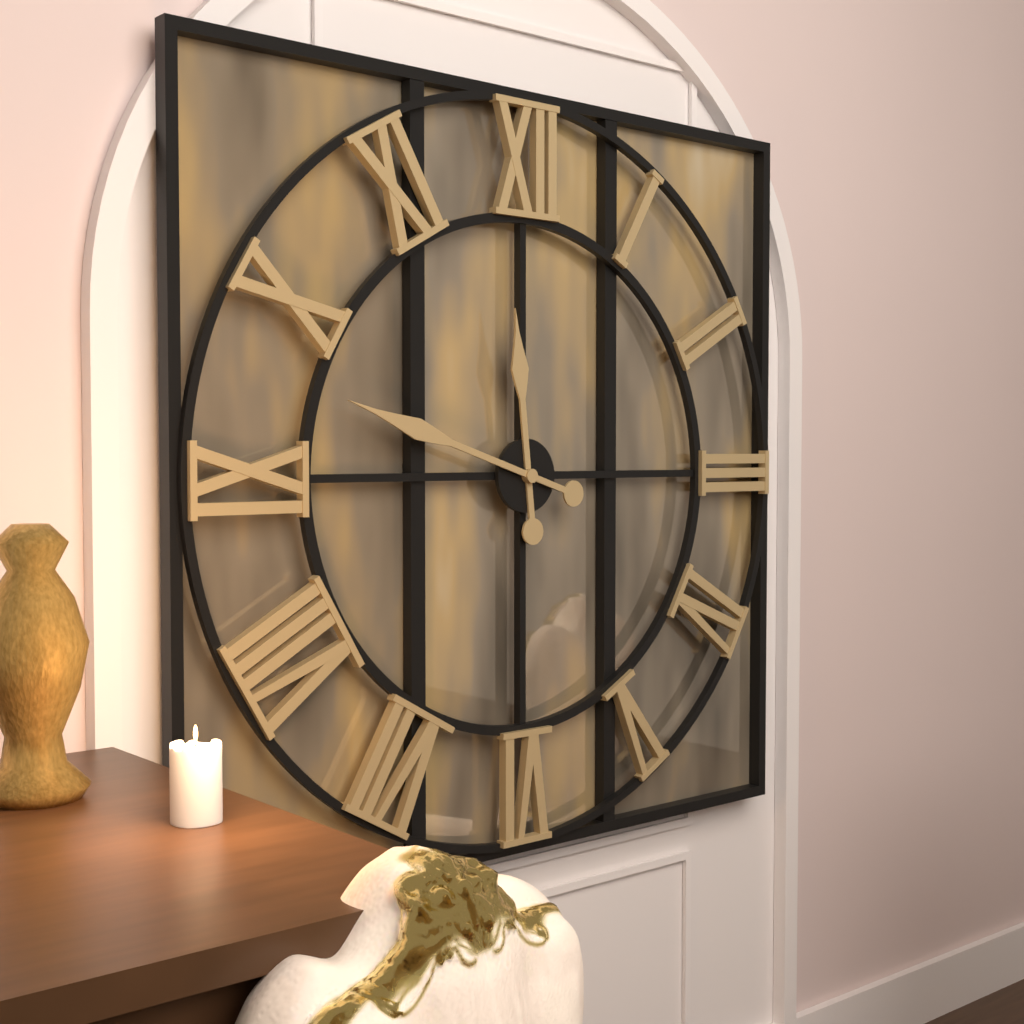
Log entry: 11 h 48 min
